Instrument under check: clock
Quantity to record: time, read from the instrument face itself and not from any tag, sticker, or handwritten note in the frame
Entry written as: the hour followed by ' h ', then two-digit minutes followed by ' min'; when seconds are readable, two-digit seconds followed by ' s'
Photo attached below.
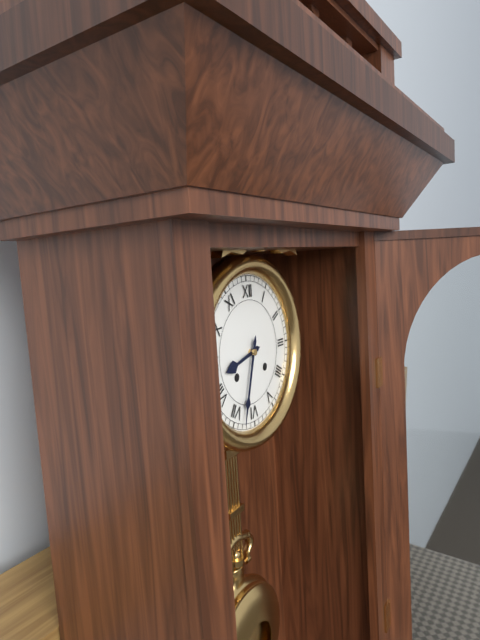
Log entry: 8 h 33 min
